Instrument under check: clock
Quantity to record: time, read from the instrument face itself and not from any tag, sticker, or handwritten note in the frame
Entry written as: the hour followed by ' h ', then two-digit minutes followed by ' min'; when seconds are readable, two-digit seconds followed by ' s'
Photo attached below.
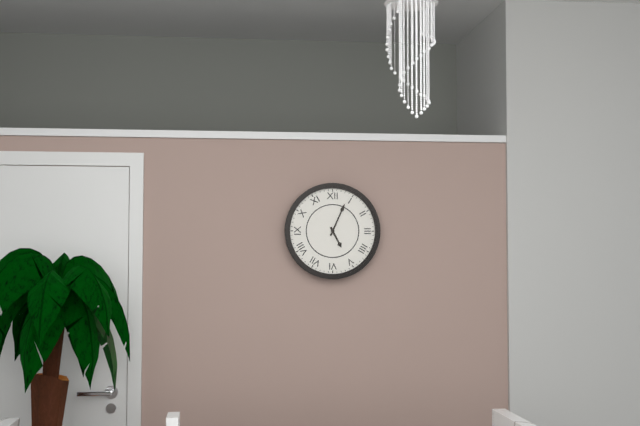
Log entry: 5 h 04 min
